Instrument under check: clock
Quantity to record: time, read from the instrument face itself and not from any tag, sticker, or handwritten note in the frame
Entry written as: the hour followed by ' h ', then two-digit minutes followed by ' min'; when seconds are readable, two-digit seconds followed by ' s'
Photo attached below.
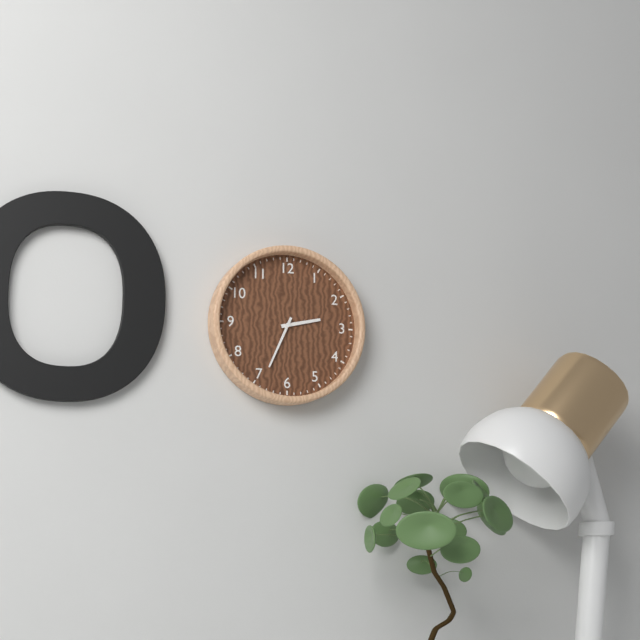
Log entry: 2 h 34 min
